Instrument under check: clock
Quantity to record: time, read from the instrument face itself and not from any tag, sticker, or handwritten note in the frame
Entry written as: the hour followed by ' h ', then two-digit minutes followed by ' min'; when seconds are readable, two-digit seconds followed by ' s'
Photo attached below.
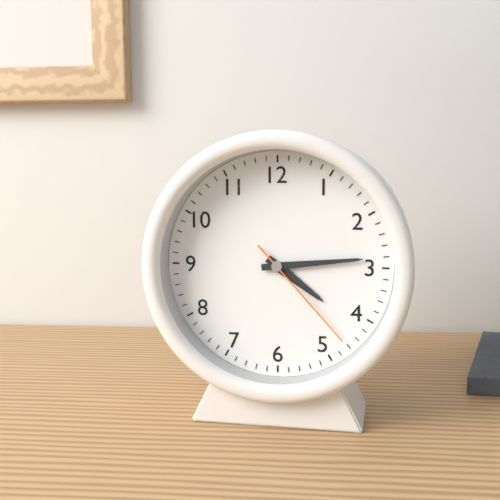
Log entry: 4 h 14 min 23 s
